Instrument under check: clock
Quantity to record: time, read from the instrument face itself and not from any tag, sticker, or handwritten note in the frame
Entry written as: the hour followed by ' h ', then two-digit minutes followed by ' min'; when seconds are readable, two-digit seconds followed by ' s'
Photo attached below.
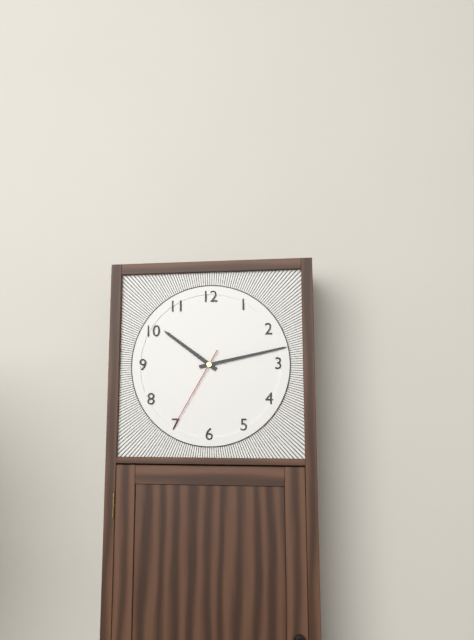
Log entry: 10 h 13 min 35 s
